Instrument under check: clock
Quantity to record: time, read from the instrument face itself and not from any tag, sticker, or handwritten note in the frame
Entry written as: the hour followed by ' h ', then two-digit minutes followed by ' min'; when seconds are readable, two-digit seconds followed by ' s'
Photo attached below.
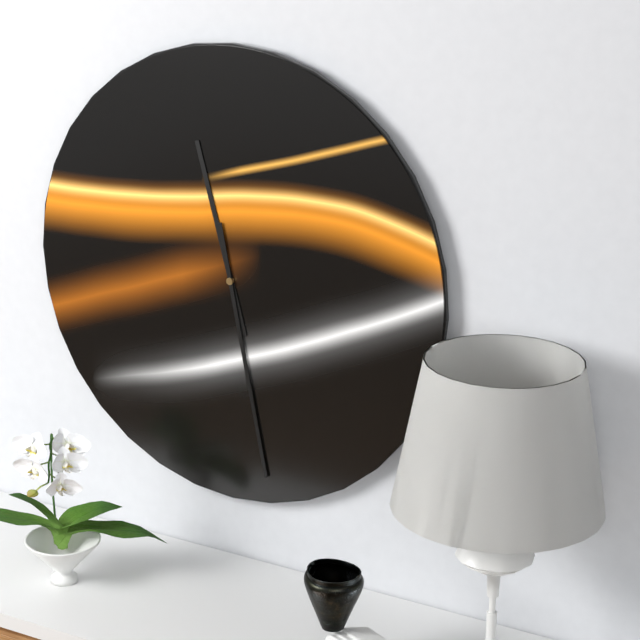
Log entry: 11 h 28 min
